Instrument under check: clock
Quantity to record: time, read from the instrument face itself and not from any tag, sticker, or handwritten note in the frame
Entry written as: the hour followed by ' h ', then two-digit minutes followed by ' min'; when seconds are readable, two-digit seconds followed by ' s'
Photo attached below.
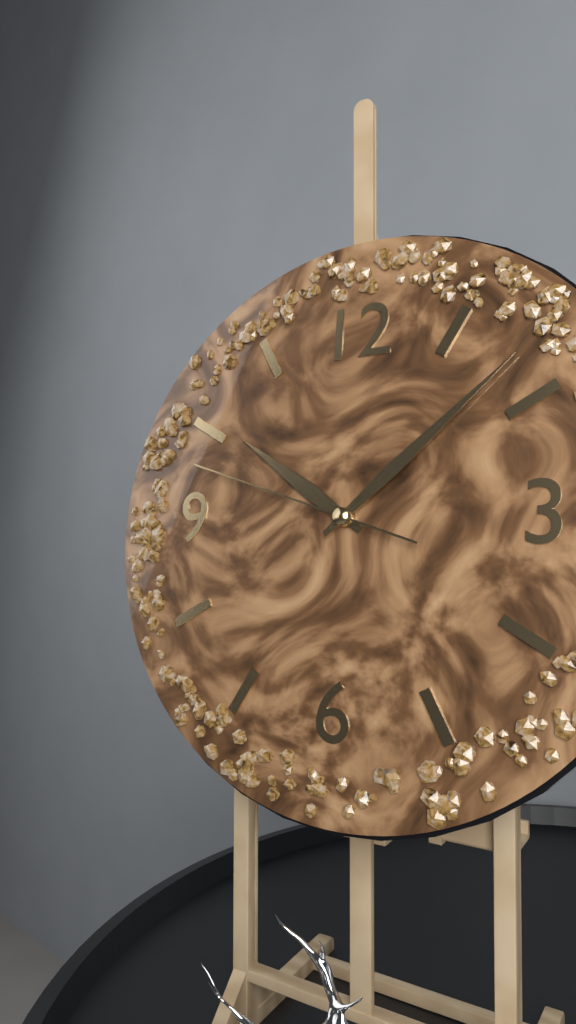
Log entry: 10 h 08 min 48 s
